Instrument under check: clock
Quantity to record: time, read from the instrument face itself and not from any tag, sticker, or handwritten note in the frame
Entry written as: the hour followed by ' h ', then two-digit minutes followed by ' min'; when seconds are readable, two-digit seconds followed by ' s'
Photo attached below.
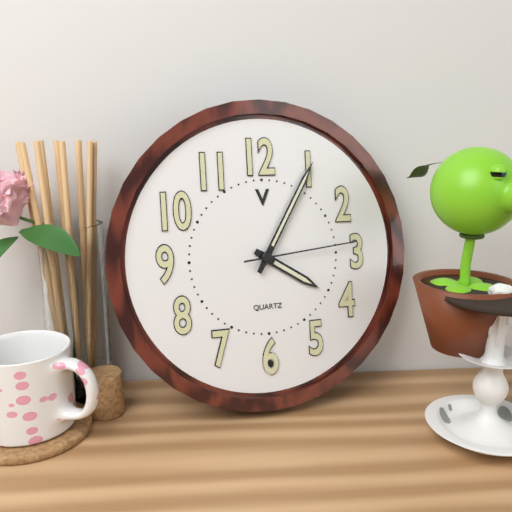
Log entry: 4 h 05 min 14 s
